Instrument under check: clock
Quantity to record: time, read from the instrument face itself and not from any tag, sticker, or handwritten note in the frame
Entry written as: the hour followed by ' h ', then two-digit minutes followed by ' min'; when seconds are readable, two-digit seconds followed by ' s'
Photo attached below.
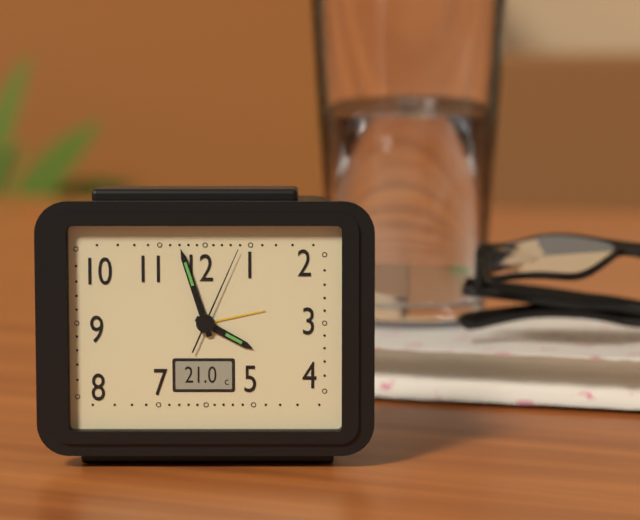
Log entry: 3 h 57 min 04 s
